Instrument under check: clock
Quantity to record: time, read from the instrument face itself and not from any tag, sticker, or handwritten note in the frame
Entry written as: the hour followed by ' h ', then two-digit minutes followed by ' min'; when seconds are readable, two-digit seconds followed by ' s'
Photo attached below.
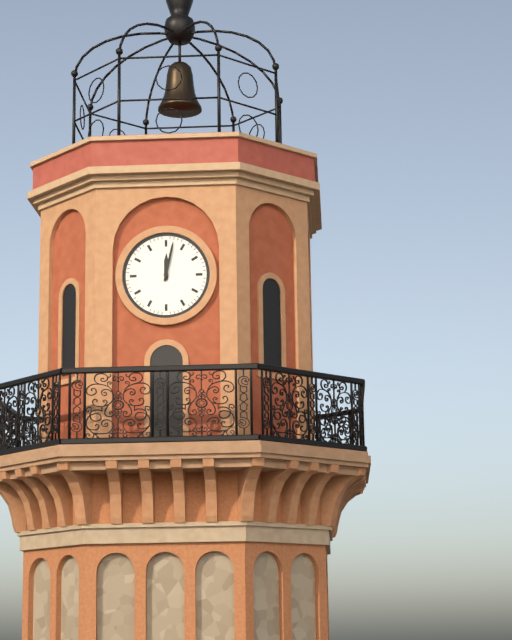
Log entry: 12 h 02 min
